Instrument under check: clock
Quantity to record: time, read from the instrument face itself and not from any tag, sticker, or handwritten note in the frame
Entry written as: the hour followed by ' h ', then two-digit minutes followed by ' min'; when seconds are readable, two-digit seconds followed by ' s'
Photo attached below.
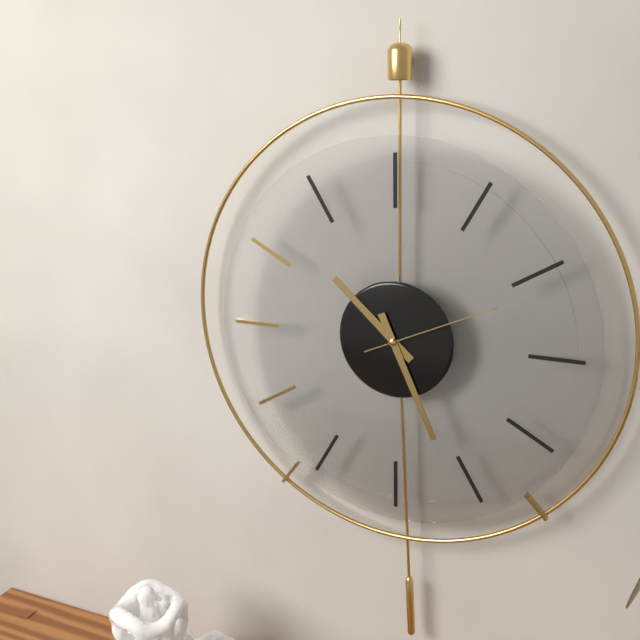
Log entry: 10 h 26 min 11 s
